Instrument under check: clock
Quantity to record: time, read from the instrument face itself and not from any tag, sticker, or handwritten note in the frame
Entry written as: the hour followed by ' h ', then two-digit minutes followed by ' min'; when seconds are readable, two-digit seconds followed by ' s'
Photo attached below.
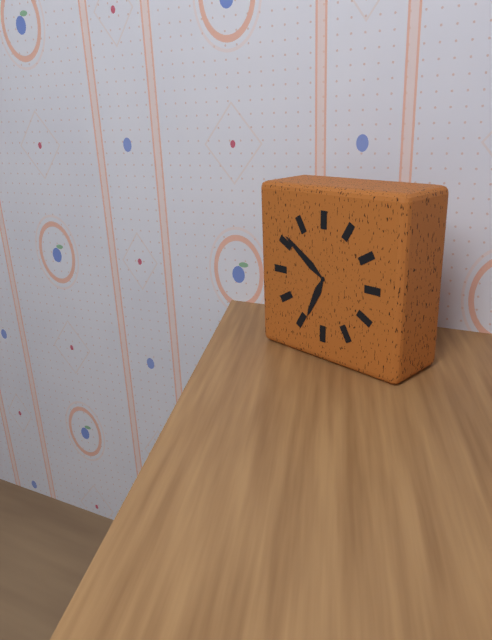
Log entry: 6 h 51 min
